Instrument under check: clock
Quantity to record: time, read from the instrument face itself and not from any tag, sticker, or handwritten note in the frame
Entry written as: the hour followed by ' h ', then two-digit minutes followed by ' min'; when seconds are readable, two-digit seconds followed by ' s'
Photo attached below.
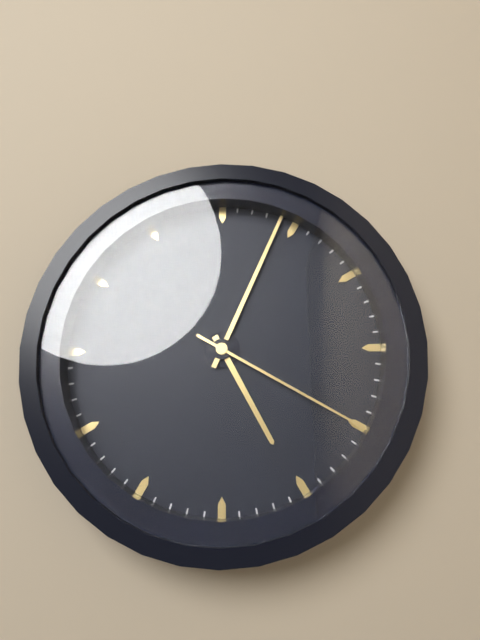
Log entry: 5 h 04 min 20 s
